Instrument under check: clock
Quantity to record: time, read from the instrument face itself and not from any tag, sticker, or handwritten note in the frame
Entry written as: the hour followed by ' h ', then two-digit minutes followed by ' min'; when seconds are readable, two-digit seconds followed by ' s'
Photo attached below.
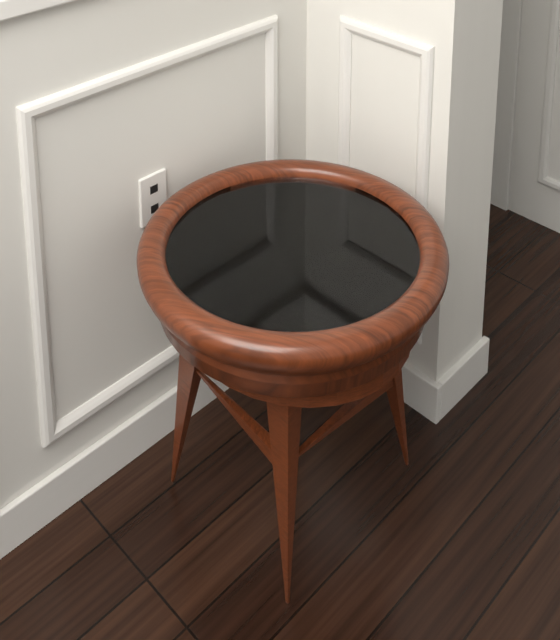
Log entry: 4 h 43 min
